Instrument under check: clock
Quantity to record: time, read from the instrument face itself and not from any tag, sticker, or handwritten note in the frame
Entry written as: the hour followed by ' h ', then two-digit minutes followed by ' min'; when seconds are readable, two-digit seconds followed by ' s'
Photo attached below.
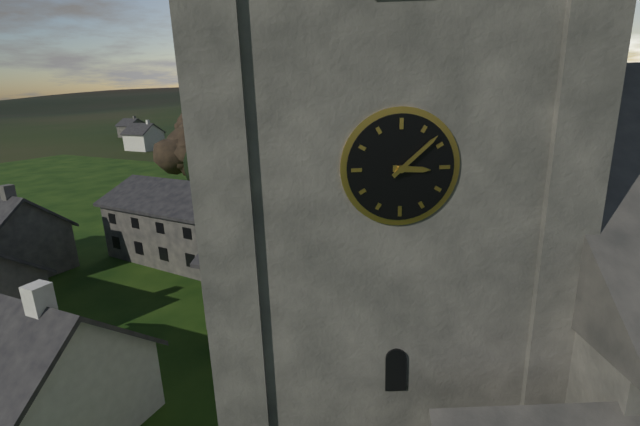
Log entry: 3 h 08 min
